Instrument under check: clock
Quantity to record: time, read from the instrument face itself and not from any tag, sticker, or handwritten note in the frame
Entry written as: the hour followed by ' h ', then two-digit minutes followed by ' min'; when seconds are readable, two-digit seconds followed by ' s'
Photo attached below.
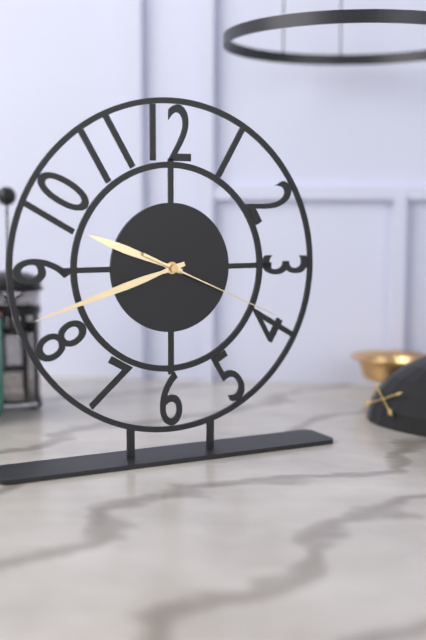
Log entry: 9 h 42 min 19 s
